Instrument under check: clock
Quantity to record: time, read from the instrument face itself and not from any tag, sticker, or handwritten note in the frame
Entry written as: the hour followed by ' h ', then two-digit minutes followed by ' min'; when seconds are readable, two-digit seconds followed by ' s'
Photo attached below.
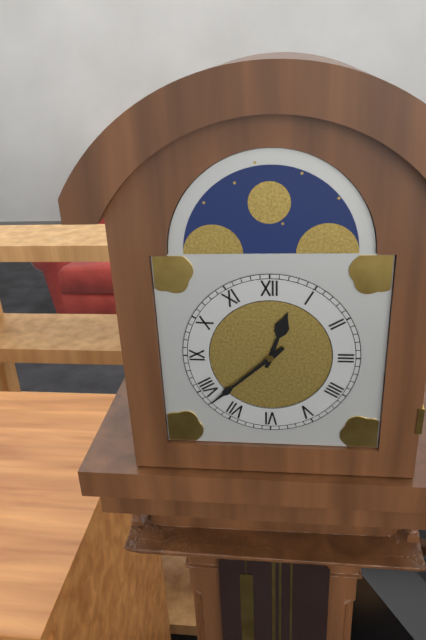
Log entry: 12 h 38 min
